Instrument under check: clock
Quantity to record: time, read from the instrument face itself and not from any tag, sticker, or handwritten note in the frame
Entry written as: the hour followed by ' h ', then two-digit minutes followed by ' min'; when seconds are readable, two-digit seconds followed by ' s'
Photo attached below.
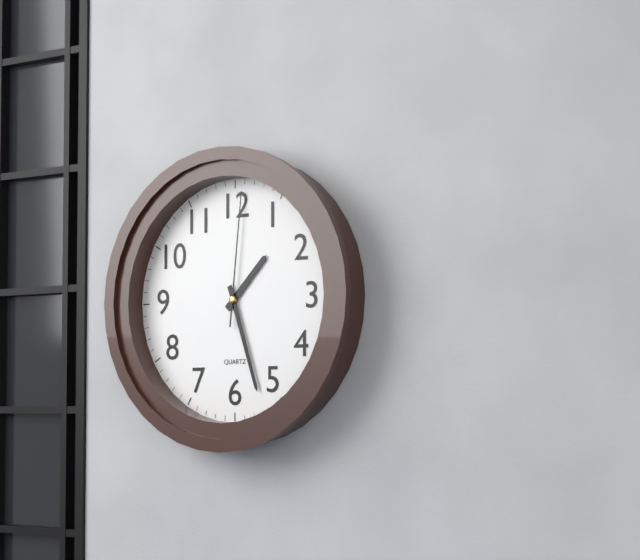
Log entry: 1 h 27 min 01 s
